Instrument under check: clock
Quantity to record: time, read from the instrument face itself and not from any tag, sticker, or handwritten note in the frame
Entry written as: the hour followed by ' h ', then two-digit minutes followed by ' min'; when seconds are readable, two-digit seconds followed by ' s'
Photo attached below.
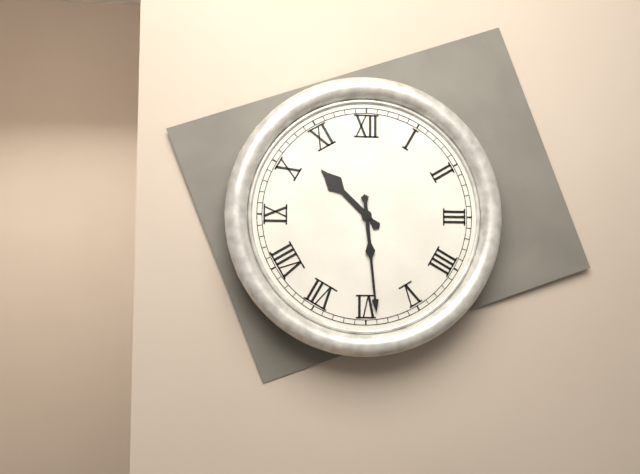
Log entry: 10 h 29 min
